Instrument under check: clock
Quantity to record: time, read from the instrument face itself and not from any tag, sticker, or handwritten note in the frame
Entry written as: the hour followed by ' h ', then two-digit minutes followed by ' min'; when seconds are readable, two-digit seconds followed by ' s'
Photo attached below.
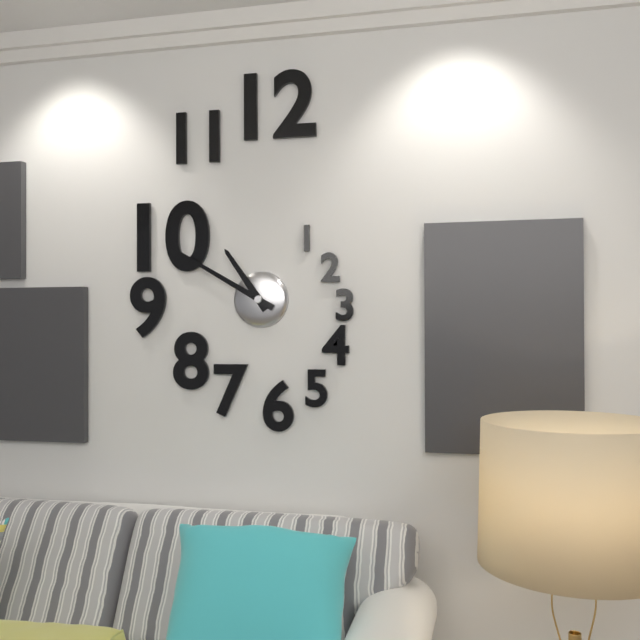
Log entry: 10 h 50 min
